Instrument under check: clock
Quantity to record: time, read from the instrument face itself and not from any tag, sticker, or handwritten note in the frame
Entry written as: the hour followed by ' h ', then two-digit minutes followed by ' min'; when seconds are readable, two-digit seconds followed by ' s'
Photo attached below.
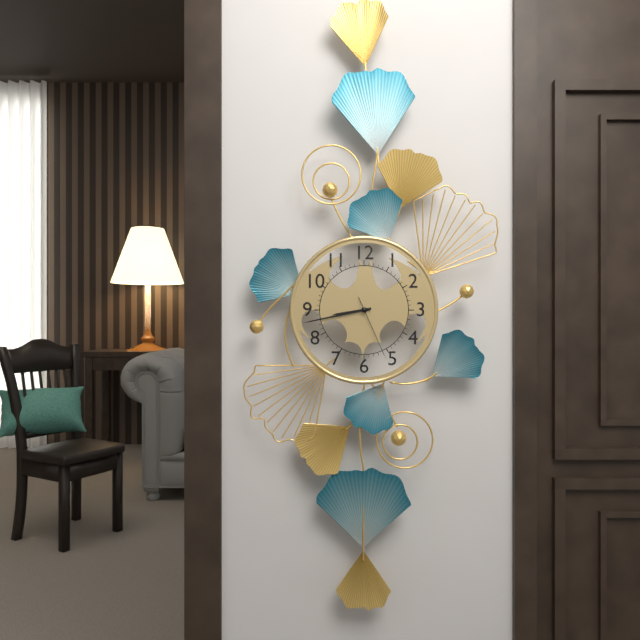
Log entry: 8 h 43 min 26 s
